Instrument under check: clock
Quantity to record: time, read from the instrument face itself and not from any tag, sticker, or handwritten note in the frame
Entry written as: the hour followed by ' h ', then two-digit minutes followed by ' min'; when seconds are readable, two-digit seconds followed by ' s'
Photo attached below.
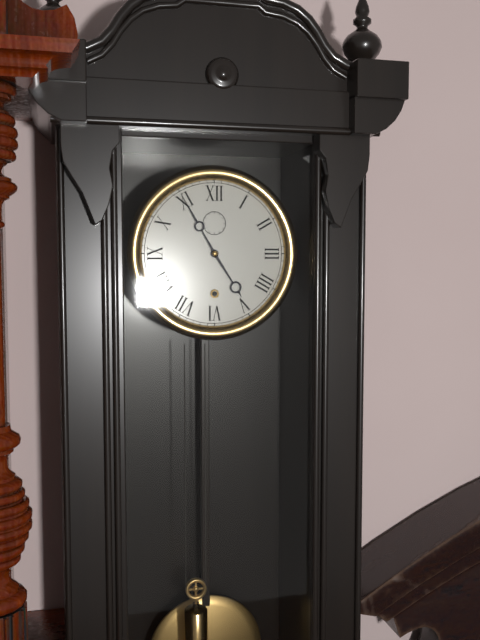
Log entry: 4 h 55 min
